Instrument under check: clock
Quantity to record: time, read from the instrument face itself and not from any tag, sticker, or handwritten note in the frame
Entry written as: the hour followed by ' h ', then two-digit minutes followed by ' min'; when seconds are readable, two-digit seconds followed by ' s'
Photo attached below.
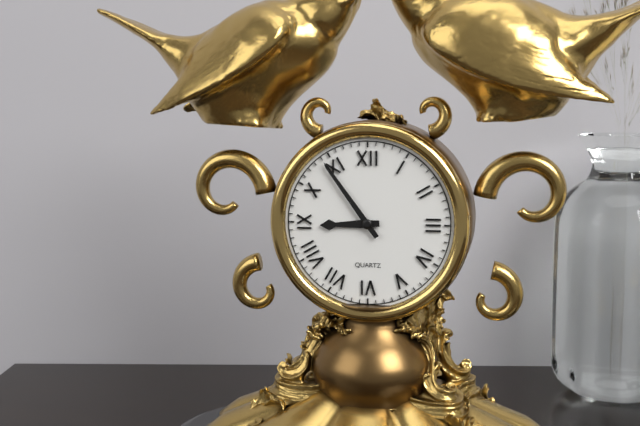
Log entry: 8 h 54 min
